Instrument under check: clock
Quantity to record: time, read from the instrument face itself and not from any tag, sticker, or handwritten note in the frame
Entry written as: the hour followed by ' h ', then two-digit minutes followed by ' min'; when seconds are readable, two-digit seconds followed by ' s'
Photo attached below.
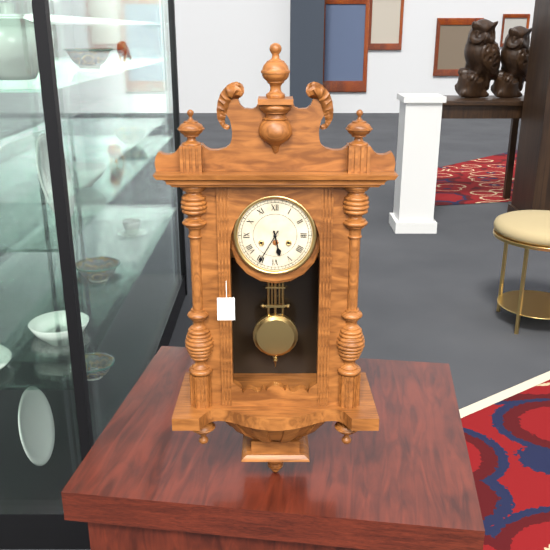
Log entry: 5 h 35 min
